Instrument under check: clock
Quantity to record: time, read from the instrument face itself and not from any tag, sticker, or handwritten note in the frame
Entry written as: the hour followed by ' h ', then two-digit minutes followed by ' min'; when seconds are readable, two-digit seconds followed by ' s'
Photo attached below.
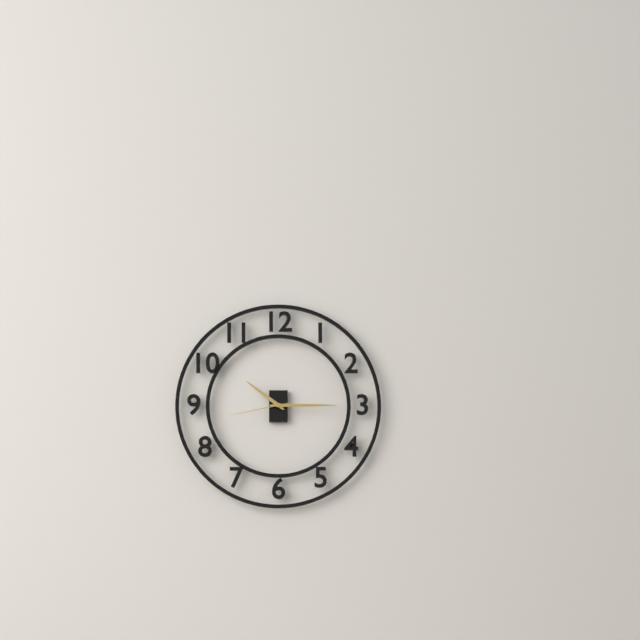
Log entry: 10 h 15 min 43 s
